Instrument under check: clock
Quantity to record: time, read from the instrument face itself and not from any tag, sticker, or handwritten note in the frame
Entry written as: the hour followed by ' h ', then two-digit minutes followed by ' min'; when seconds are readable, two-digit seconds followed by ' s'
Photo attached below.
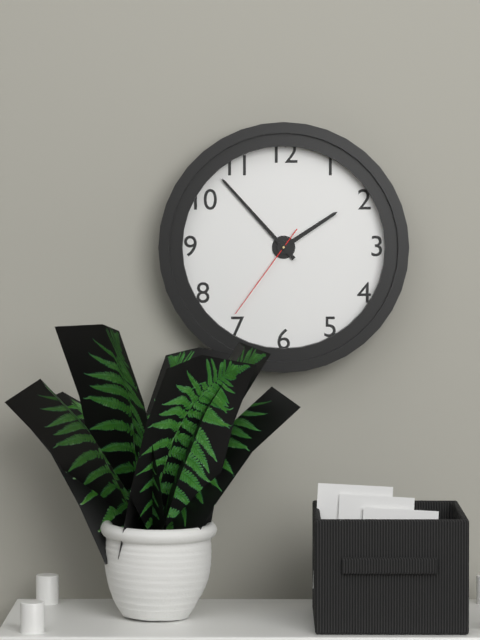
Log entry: 1 h 53 min 36 s
